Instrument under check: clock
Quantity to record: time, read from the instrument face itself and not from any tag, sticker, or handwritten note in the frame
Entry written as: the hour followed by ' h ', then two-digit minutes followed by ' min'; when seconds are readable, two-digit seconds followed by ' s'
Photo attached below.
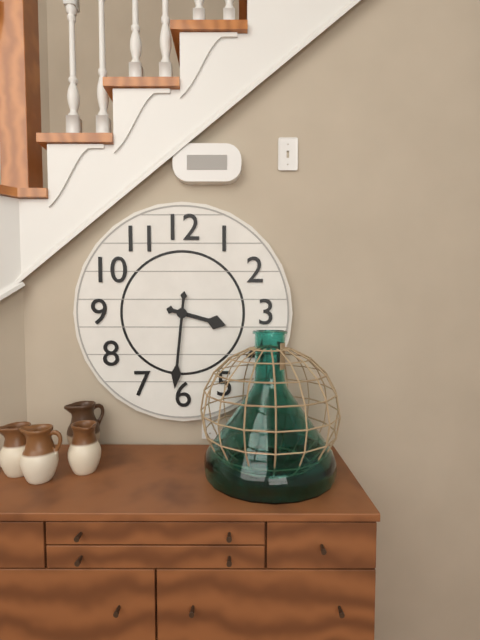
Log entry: 3 h 31 min
